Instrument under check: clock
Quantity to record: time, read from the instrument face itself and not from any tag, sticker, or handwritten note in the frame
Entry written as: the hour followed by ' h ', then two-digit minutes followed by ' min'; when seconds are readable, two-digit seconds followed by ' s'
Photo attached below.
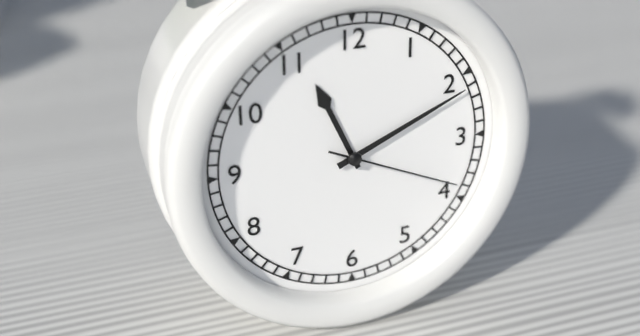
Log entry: 11 h 11 min 19 s
